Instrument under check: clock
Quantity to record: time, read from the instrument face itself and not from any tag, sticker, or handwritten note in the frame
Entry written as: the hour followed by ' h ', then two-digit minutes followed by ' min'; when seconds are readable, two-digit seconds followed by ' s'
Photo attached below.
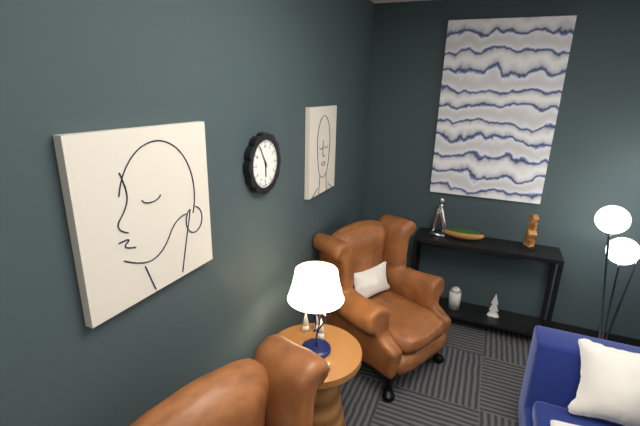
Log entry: 5 h 55 min
